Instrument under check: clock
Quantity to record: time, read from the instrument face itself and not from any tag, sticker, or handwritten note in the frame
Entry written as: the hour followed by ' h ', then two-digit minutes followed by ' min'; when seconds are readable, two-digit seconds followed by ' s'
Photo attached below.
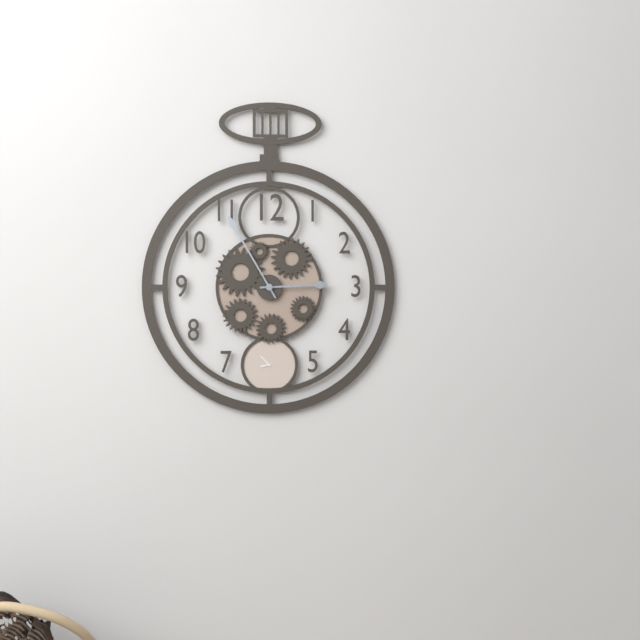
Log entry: 2 h 55 min
